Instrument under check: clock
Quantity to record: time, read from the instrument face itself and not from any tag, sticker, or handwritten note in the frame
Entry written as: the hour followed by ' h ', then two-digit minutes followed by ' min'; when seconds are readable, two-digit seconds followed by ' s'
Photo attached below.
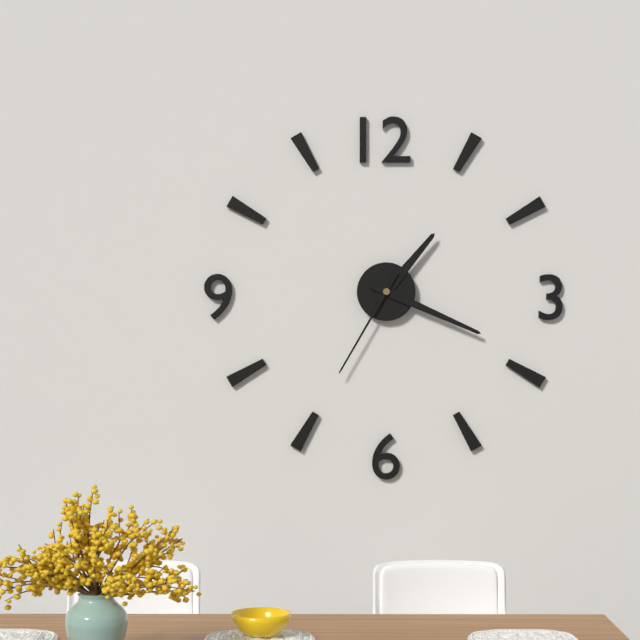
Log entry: 1 h 19 min 35 s
